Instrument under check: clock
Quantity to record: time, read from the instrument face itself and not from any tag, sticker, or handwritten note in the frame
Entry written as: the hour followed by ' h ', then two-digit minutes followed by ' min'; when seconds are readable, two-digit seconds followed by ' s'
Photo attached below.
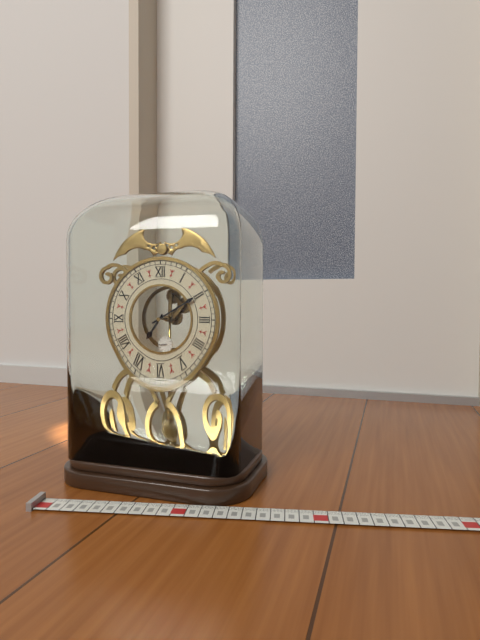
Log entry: 7 h 10 min
